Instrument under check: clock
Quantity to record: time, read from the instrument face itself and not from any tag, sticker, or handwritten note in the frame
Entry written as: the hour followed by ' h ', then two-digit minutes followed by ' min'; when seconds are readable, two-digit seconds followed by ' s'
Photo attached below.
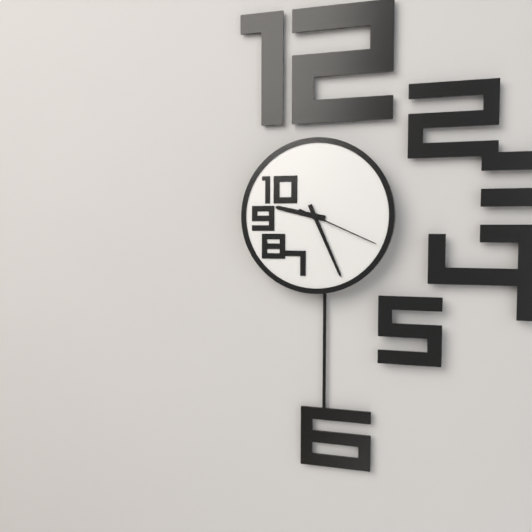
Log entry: 9 h 26 min 19 s
